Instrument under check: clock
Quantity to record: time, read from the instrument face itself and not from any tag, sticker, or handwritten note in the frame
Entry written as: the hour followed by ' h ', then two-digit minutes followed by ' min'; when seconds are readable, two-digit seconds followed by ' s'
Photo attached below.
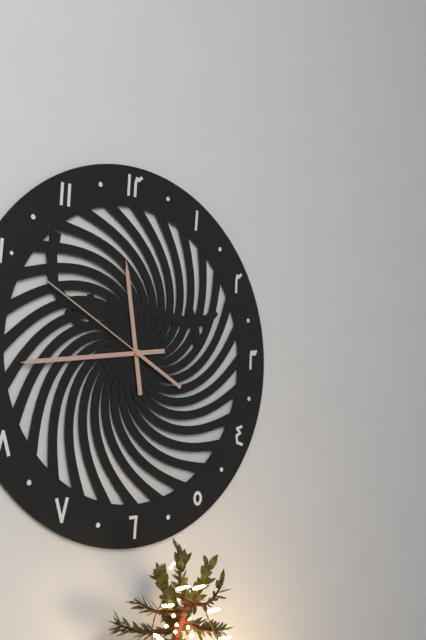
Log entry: 11 h 44 min 50 s
